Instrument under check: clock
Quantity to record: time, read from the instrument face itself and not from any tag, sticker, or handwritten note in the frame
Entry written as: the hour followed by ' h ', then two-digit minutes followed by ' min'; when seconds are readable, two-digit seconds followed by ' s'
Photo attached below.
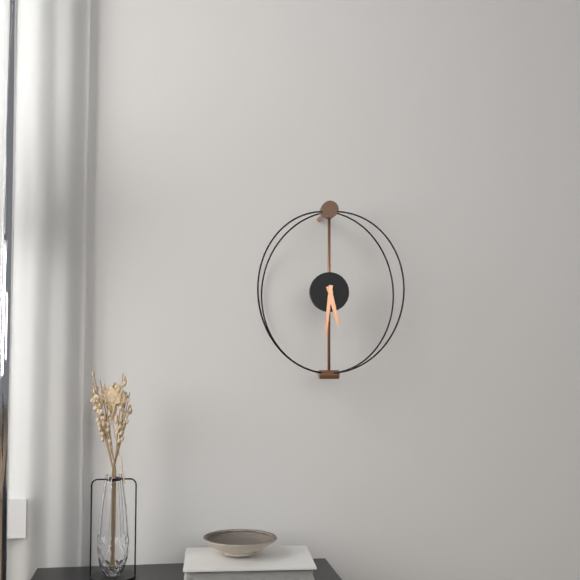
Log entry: 5 h 31 min
